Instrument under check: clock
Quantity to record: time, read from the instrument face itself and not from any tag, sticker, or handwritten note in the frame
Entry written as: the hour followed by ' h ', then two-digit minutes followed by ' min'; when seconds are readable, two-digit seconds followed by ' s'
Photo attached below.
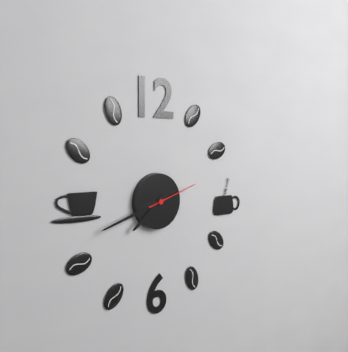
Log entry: 7 h 42 min
